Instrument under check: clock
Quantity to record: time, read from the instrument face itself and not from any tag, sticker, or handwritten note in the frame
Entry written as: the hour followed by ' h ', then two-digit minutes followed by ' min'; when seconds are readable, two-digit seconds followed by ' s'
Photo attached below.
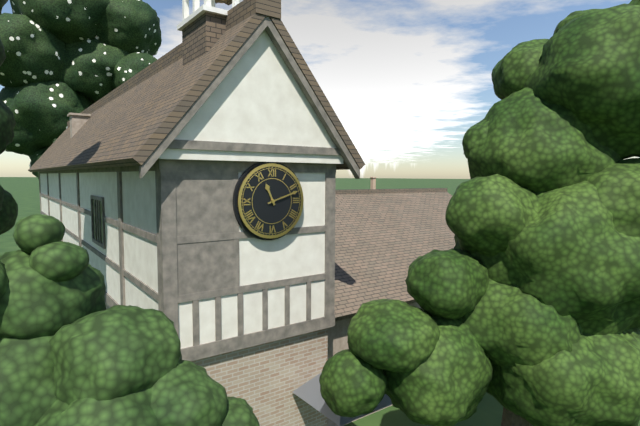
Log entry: 11 h 12 min
